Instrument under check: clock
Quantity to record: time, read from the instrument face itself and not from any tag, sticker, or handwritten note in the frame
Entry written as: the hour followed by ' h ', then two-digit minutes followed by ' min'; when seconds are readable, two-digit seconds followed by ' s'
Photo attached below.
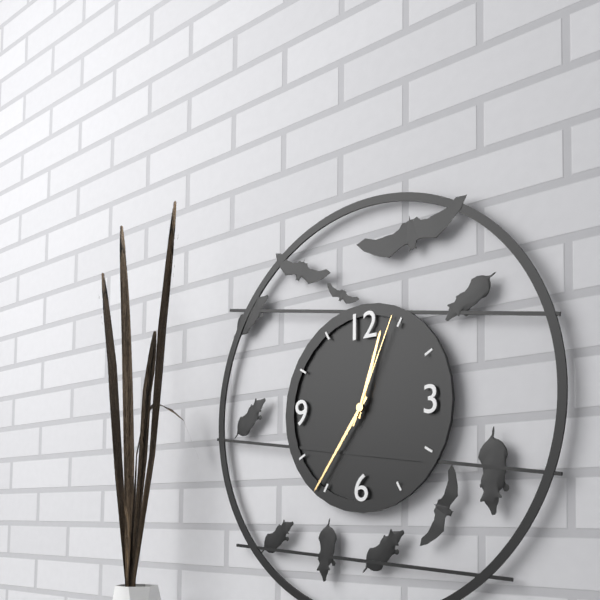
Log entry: 12 h 36 min 04 s
